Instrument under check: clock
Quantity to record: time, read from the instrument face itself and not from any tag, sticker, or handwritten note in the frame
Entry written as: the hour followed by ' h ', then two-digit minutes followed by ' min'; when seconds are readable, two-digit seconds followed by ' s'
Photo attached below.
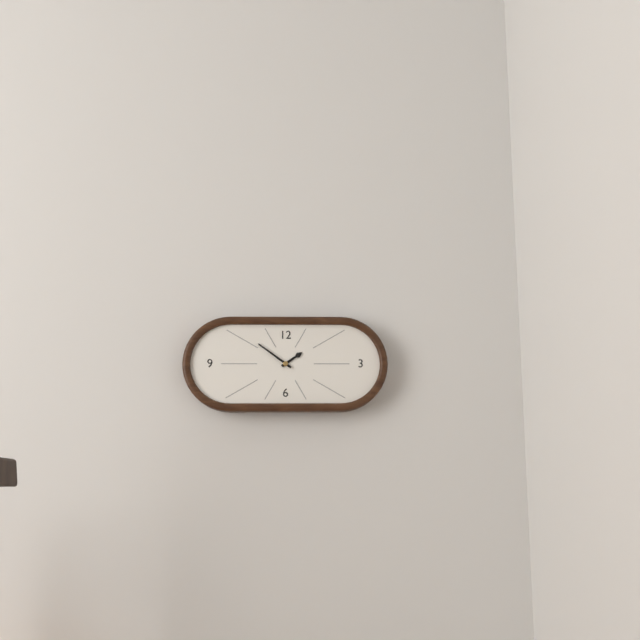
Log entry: 1 h 51 min
